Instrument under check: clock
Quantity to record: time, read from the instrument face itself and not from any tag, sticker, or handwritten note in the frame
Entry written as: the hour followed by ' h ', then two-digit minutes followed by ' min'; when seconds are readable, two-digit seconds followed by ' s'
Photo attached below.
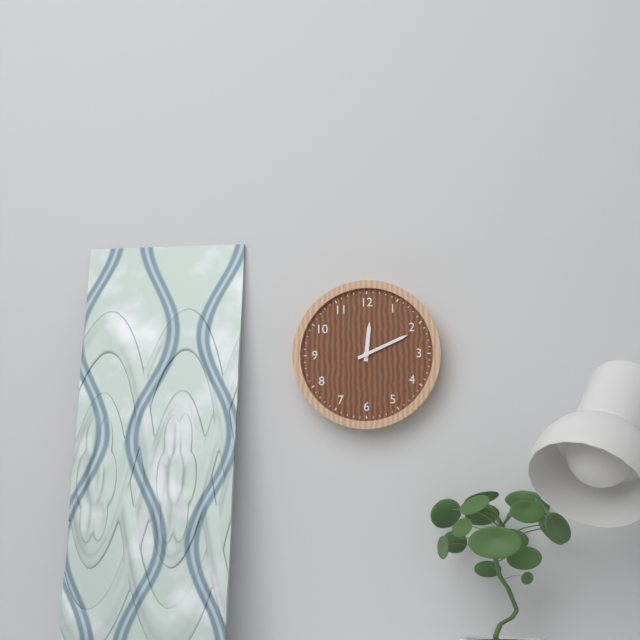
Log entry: 12 h 11 min
